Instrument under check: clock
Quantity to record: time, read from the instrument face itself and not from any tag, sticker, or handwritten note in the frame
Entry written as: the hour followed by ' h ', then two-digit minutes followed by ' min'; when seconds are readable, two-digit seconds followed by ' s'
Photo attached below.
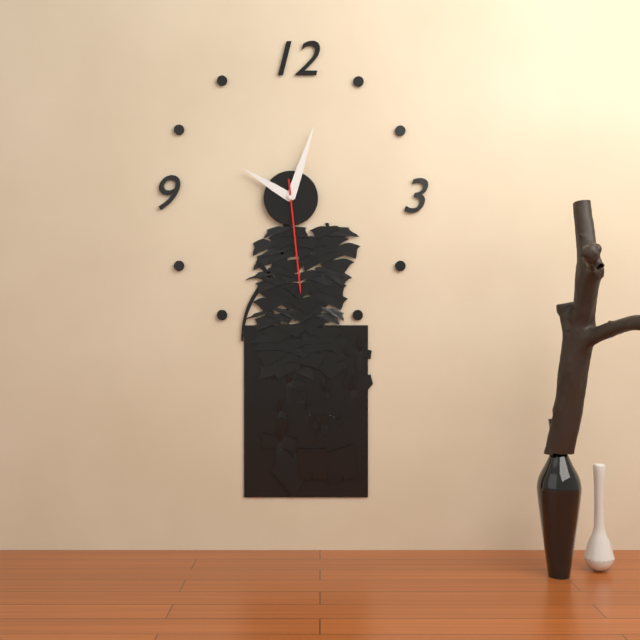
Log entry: 10 h 03 min 29 s
